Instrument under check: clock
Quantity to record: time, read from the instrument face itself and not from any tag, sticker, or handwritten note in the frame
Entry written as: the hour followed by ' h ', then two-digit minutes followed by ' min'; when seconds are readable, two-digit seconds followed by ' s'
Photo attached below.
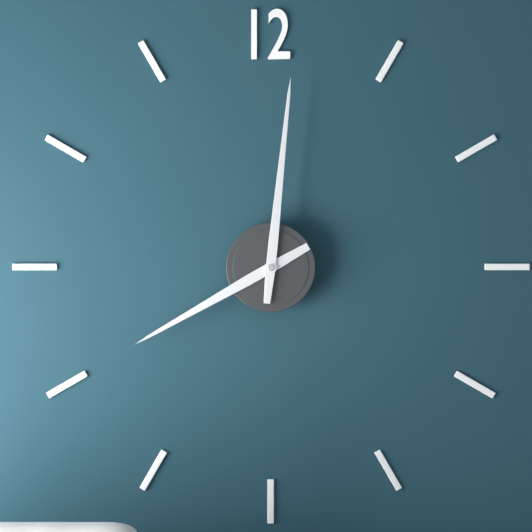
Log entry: 8 h 01 min
